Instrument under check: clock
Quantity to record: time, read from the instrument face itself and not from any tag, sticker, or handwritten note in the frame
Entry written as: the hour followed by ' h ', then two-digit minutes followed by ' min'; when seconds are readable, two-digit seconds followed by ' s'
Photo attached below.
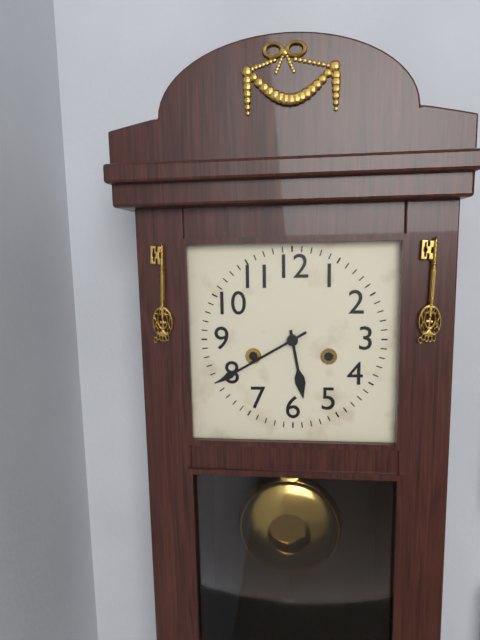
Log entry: 5 h 40 min
